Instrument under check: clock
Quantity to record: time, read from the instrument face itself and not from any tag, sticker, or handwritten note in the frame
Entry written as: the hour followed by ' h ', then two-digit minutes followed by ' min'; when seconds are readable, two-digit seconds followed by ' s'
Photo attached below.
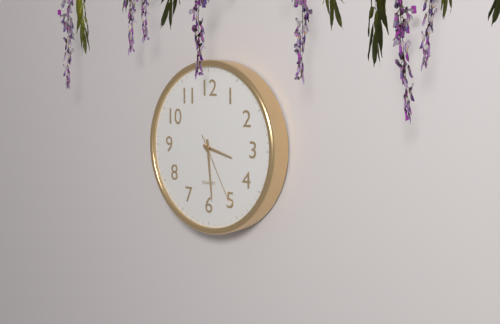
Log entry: 3 h 29 min 25 s
